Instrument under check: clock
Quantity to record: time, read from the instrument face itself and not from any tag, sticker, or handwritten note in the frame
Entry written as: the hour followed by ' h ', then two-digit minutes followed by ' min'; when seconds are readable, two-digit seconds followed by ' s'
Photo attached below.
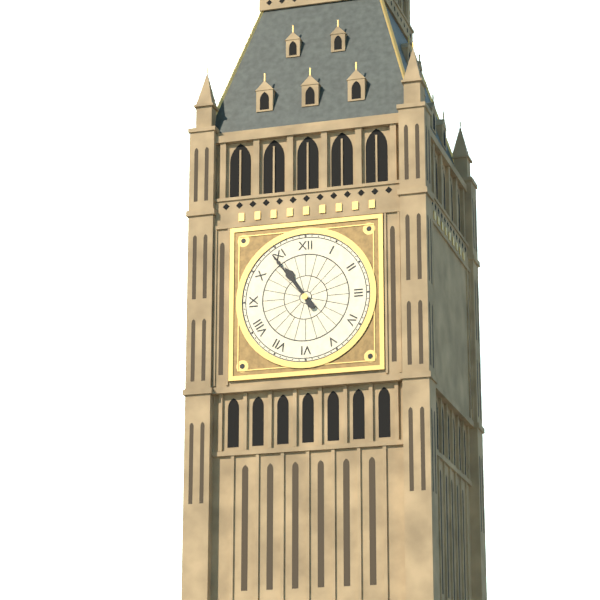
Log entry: 10 h 54 min
